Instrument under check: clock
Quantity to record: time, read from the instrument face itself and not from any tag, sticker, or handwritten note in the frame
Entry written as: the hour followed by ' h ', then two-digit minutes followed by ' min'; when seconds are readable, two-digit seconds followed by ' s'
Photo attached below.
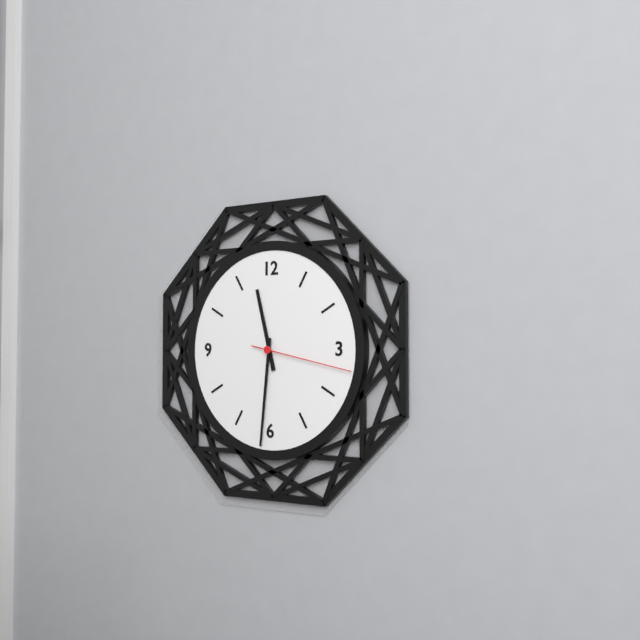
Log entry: 11 h 31 min 17 s
